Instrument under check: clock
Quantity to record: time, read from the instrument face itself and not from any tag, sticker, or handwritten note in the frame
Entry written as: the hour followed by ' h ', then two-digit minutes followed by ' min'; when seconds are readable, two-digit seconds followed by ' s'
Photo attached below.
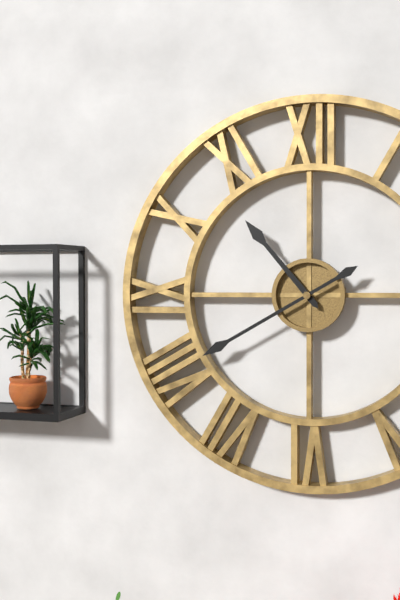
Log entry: 10 h 40 min
